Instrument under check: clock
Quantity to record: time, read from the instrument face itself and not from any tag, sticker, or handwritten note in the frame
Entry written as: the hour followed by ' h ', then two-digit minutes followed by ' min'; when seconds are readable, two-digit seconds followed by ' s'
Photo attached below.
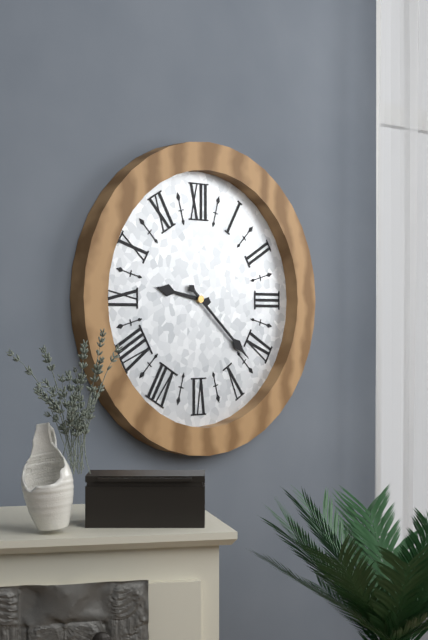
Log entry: 9 h 22 min
